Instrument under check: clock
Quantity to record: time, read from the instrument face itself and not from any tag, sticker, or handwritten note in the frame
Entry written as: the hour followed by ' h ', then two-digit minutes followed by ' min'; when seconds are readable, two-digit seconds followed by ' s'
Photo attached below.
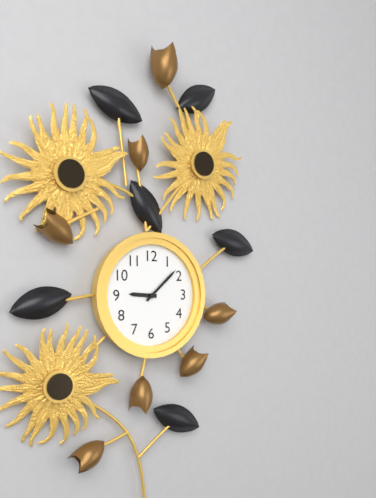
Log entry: 9 h 08 min
